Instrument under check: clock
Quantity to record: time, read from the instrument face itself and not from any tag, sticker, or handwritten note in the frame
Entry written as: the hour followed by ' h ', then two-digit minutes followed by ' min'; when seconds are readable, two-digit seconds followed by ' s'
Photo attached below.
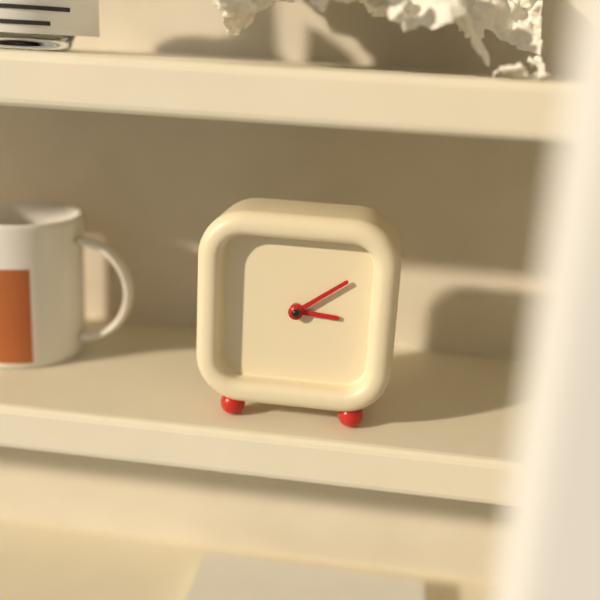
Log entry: 3 h 09 min
